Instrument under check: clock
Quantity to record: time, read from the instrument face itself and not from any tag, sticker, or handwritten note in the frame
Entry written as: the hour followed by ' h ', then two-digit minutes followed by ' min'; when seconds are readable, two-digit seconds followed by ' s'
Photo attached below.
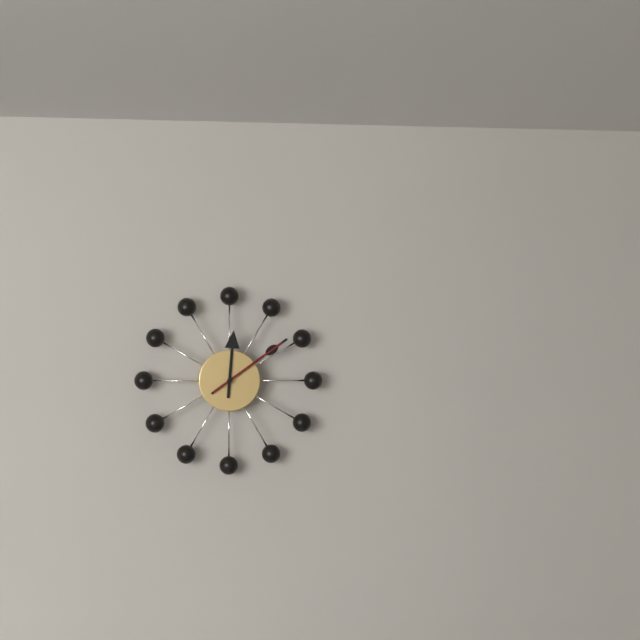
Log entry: 12 h 09 min 09 s
